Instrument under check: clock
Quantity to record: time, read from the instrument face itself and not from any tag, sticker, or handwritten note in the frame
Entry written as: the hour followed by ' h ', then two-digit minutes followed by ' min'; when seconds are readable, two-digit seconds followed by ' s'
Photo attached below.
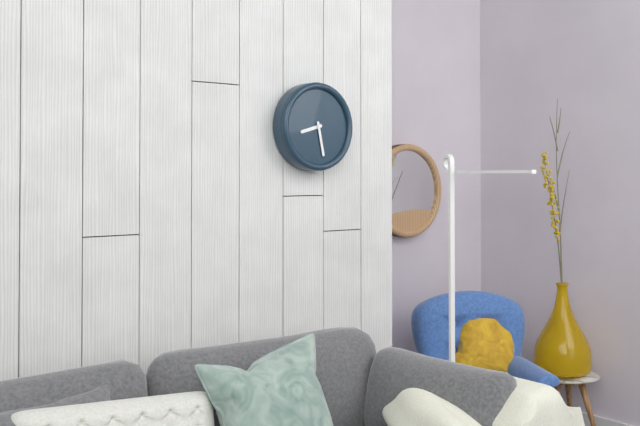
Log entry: 8 h 28 min
